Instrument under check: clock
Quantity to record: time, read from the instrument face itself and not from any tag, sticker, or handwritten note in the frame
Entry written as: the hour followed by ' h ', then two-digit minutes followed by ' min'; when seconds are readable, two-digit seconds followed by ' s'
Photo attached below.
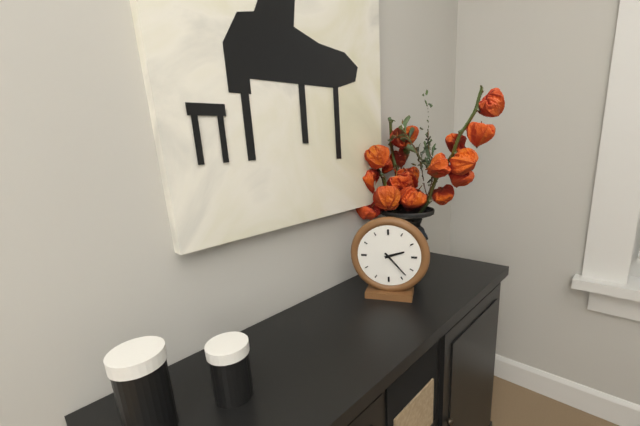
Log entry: 2 h 23 min
